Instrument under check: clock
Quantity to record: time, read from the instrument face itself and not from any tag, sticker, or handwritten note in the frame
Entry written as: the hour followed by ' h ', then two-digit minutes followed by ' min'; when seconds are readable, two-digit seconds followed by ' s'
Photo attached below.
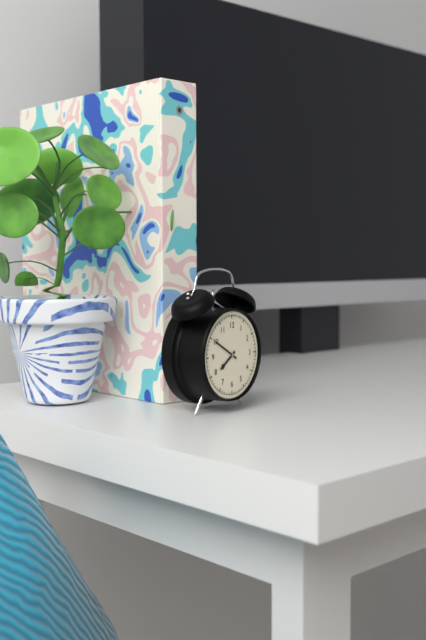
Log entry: 7 h 50 min
